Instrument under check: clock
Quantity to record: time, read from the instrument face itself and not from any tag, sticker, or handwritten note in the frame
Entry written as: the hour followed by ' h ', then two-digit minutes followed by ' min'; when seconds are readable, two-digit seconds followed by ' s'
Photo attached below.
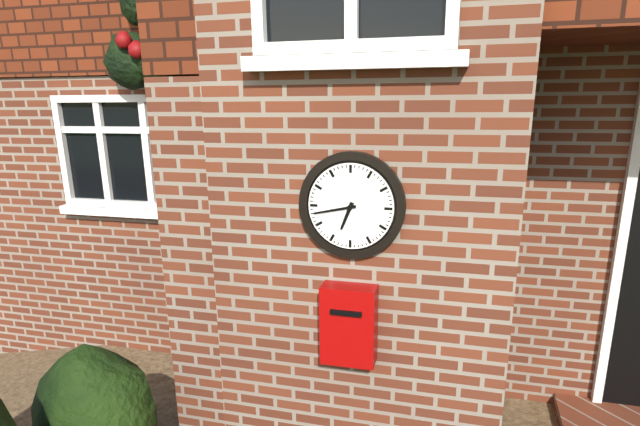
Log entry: 6 h 43 min
